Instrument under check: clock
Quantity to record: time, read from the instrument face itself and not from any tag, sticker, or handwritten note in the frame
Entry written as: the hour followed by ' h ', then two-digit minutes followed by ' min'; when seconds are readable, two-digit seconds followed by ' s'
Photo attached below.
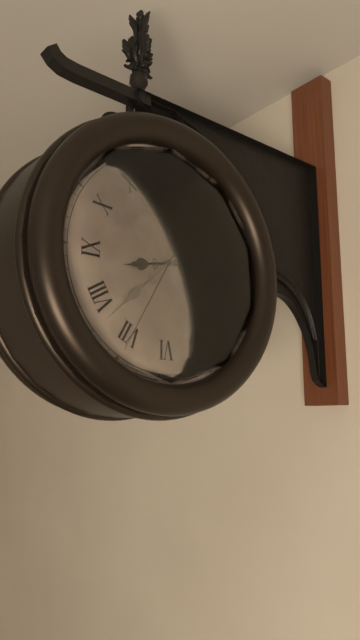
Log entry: 8 h 38 min 35 s
